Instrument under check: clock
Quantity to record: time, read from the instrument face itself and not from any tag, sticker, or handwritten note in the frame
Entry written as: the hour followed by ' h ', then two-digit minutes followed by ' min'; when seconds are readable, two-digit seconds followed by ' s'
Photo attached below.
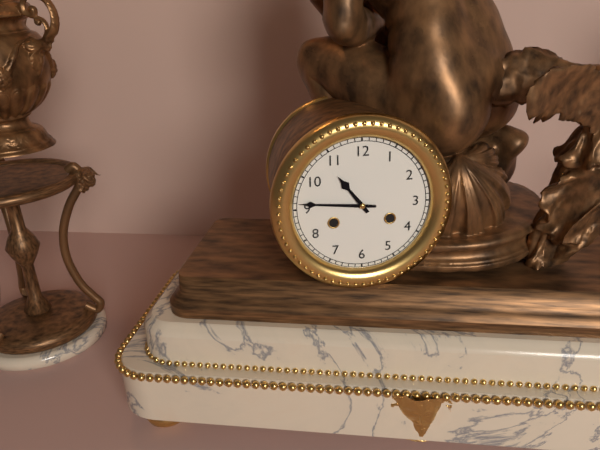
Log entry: 10 h 46 min
